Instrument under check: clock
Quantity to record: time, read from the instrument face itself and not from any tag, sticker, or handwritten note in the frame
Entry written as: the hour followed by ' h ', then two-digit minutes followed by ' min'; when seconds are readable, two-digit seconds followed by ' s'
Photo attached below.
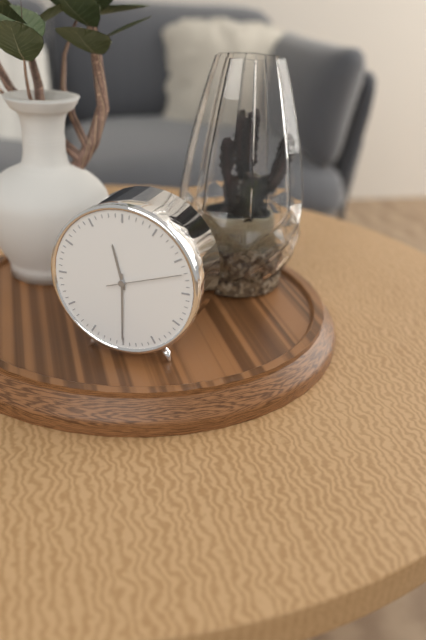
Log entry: 11 h 30 min 12 s
